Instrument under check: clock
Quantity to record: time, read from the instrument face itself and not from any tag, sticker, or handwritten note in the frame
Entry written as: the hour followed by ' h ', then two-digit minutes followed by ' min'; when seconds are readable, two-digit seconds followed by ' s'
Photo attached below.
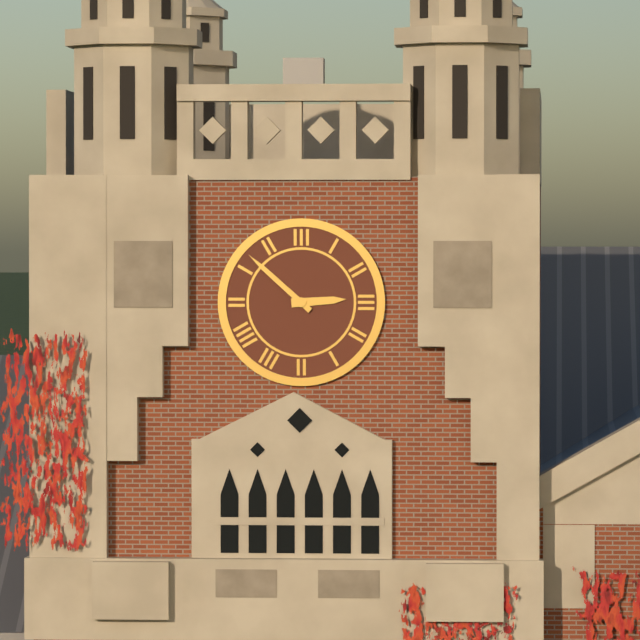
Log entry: 2 h 52 min
